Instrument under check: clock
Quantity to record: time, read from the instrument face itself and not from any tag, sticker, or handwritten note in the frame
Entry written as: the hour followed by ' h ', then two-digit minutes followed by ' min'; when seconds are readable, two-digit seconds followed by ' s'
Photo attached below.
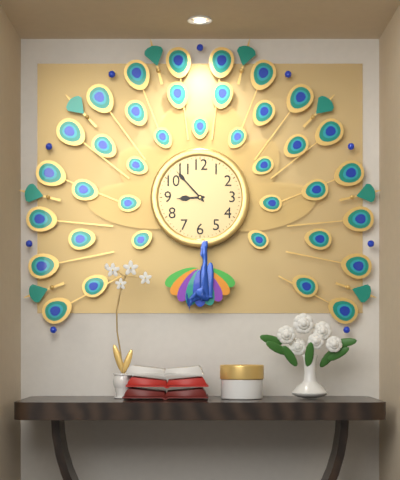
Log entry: 8 h 53 min
